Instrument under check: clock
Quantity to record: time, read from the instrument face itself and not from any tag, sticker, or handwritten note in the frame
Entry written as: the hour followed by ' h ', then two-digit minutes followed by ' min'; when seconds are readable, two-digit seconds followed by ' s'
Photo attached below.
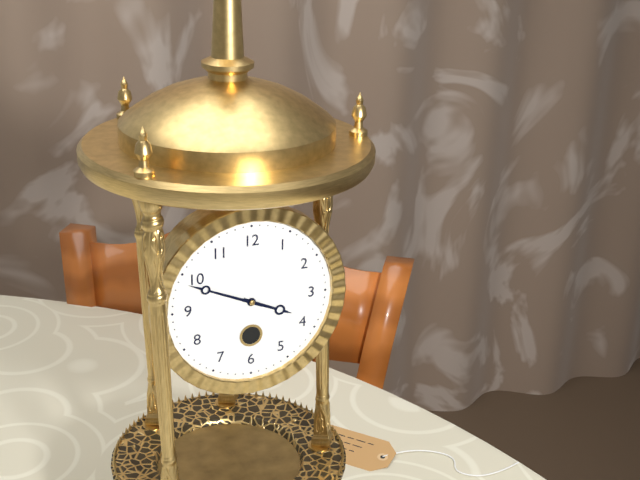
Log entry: 3 h 49 min
